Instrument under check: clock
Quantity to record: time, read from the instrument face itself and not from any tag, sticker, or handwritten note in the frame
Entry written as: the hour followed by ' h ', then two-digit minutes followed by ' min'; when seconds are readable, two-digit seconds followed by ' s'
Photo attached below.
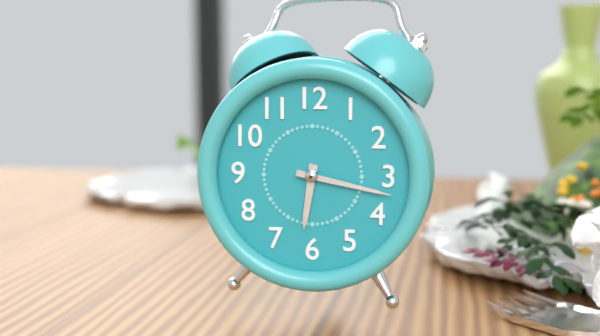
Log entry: 6 h 17 min
